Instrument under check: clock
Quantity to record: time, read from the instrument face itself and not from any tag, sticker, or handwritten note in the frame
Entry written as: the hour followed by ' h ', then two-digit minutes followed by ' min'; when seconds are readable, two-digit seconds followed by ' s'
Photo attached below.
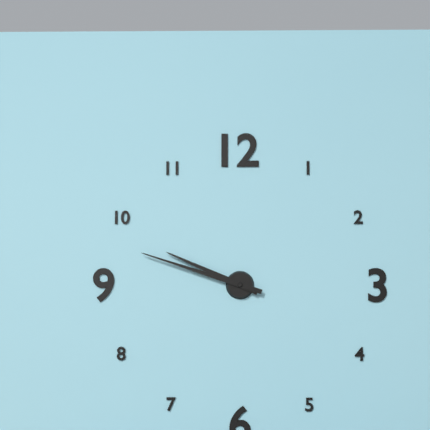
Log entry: 9 h 48 min
